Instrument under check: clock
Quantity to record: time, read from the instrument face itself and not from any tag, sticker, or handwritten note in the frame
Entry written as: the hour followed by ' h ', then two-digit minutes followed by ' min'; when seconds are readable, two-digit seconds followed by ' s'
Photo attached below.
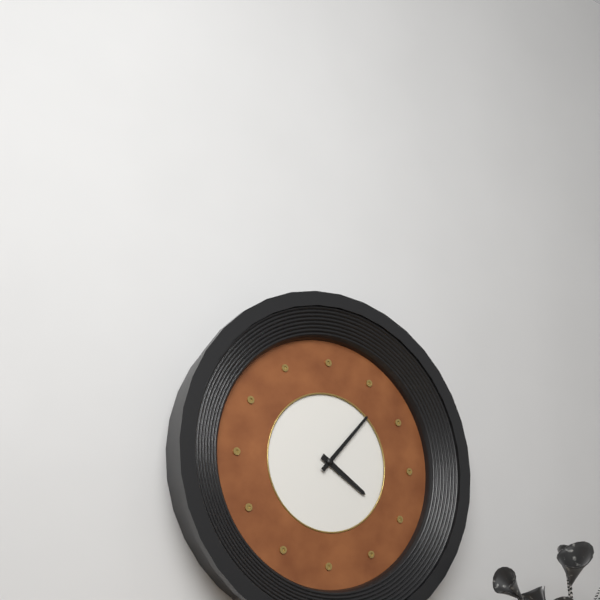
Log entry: 4 h 07 min
